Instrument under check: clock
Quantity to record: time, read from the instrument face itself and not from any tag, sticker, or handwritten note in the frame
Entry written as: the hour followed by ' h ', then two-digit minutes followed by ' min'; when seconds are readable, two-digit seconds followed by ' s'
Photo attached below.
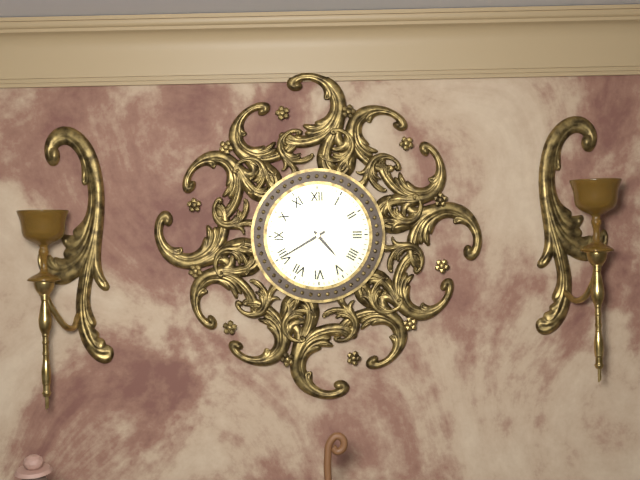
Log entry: 4 h 40 min
